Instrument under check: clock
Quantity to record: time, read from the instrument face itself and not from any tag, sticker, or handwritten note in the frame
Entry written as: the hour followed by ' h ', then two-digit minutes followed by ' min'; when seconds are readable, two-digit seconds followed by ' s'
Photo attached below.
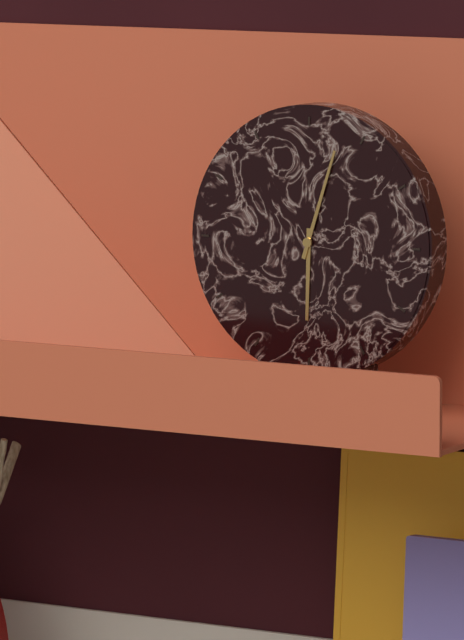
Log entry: 6 h 03 min
